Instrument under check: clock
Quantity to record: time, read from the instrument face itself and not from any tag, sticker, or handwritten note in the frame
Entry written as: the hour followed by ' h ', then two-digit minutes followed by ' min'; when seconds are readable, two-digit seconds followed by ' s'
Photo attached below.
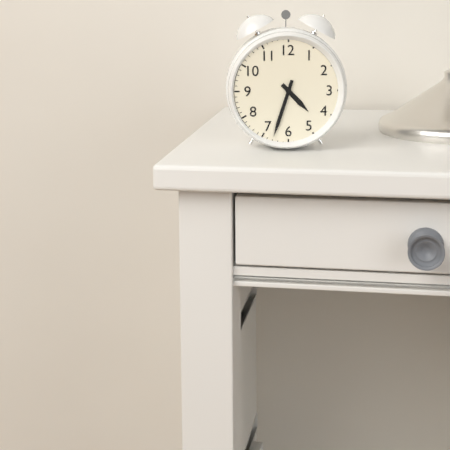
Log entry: 4 h 33 min
